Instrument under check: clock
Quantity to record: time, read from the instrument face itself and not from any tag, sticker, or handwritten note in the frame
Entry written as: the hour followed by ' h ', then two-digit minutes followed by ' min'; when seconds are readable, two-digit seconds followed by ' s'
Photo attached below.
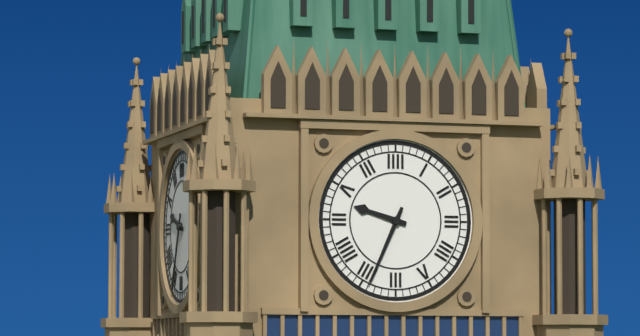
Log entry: 9 h 34 min
